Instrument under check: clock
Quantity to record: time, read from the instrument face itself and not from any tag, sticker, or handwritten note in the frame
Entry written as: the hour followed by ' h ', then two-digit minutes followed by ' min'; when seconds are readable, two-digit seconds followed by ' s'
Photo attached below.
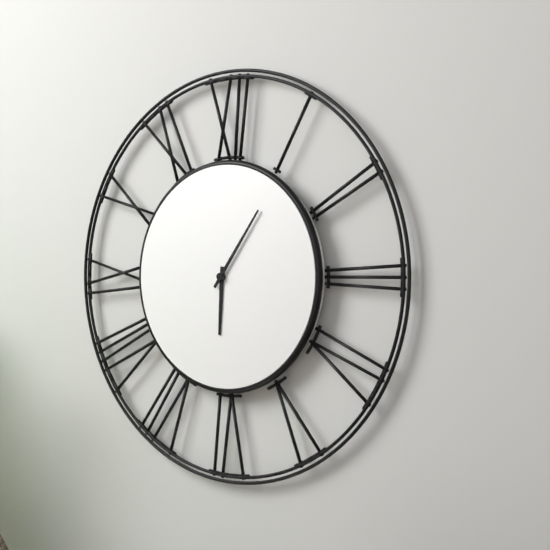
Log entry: 6 h 06 min
